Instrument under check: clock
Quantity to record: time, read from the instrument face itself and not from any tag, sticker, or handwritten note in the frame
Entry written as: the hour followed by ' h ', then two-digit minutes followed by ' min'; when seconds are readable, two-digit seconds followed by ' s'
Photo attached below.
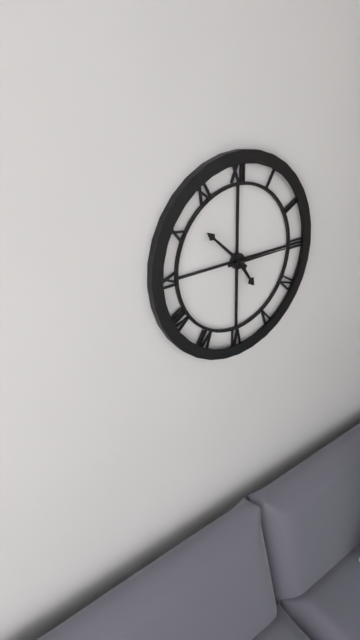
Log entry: 4 h 52 min 15 s
